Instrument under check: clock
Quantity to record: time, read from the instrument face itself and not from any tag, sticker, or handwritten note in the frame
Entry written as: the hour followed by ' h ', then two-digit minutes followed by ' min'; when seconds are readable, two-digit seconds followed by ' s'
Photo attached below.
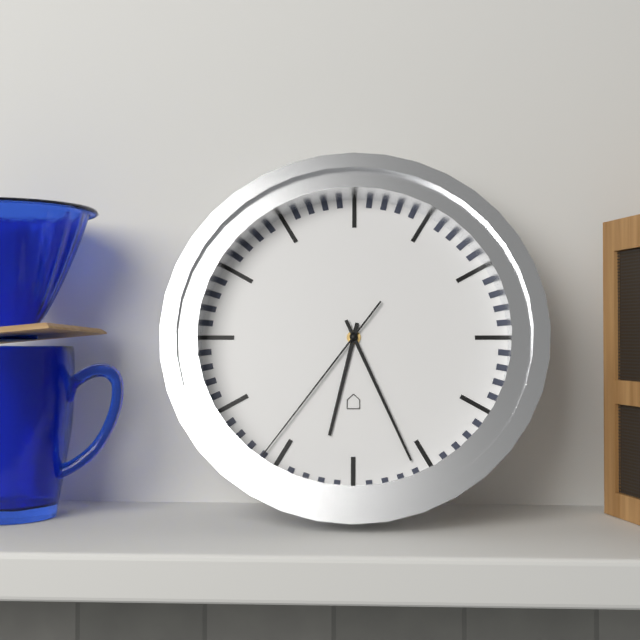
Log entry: 6 h 26 min 36 s
